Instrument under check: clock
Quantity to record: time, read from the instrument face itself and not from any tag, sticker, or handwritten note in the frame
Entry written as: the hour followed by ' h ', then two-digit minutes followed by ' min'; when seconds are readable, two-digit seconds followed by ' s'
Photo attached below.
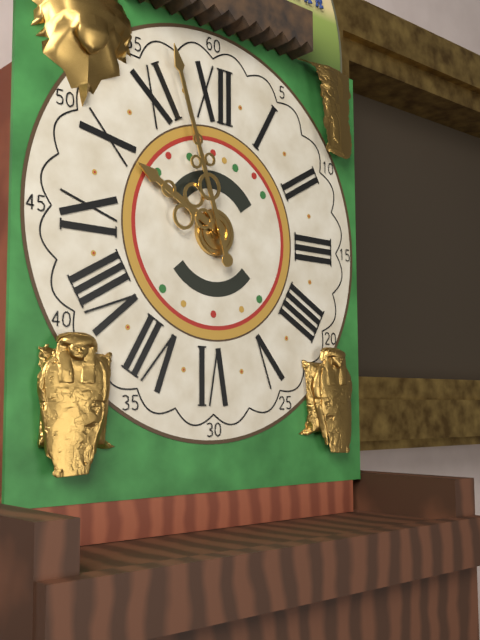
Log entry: 9 h 57 min
